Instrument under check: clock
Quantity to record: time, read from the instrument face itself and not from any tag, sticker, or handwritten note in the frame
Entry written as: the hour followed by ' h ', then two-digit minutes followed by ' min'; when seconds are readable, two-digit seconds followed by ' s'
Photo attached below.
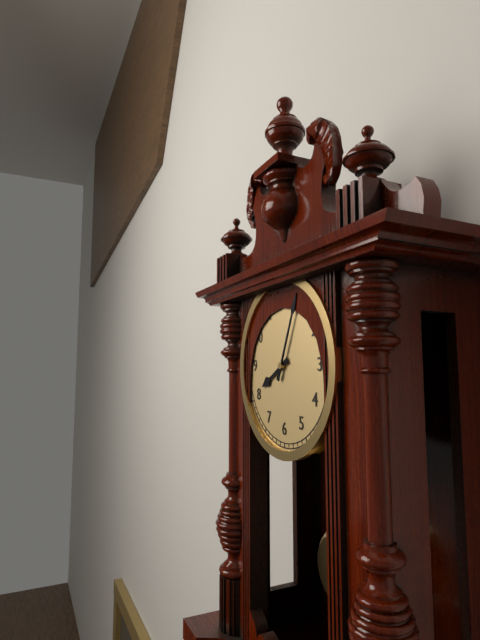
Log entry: 8 h 04 min
